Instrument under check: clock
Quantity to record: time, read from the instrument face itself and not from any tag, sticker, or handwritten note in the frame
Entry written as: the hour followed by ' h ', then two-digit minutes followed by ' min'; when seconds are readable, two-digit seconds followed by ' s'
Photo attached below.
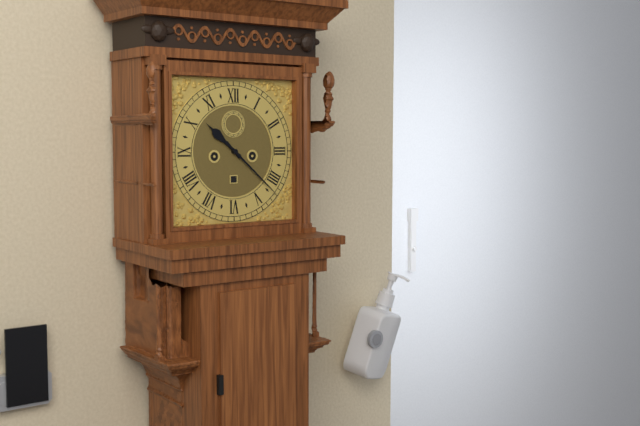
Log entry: 10 h 22 min
